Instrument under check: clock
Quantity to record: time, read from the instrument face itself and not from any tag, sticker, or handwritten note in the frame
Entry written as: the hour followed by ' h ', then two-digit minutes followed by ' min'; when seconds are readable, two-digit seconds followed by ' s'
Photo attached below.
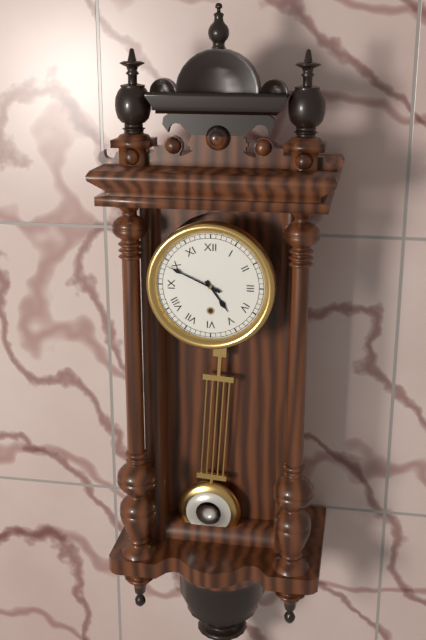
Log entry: 4 h 49 min
